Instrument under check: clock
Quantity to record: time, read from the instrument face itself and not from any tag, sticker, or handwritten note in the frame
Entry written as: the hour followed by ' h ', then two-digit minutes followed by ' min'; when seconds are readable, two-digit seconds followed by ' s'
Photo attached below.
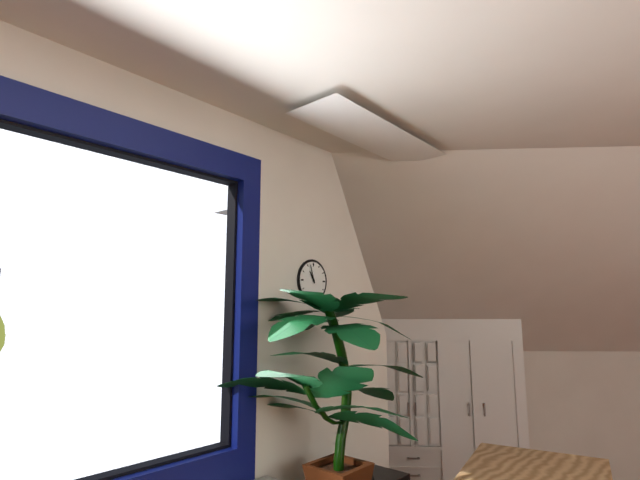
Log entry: 10 h 57 min
